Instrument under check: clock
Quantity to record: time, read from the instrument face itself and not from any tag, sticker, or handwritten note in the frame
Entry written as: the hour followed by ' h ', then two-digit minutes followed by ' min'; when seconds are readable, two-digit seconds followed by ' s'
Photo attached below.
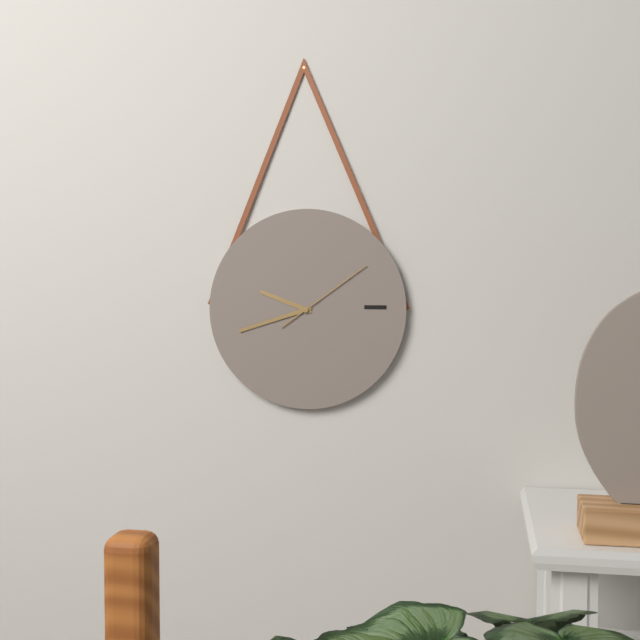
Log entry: 9 h 42 min 09 s
